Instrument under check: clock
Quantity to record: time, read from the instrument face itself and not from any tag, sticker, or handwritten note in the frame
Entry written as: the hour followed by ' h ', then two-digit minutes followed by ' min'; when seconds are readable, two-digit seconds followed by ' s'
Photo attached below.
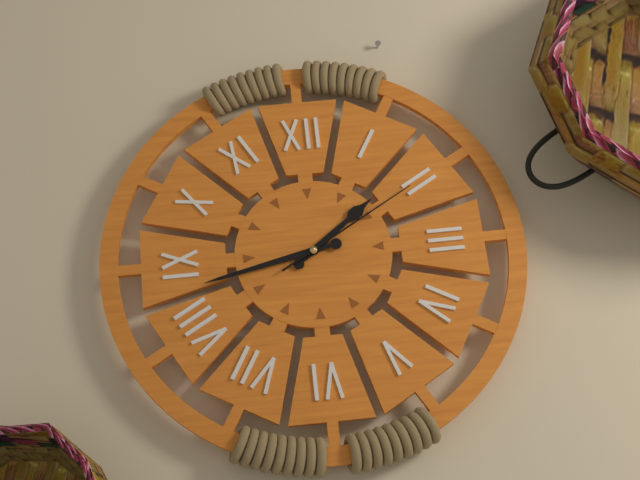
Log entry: 1 h 43 min 10 s
